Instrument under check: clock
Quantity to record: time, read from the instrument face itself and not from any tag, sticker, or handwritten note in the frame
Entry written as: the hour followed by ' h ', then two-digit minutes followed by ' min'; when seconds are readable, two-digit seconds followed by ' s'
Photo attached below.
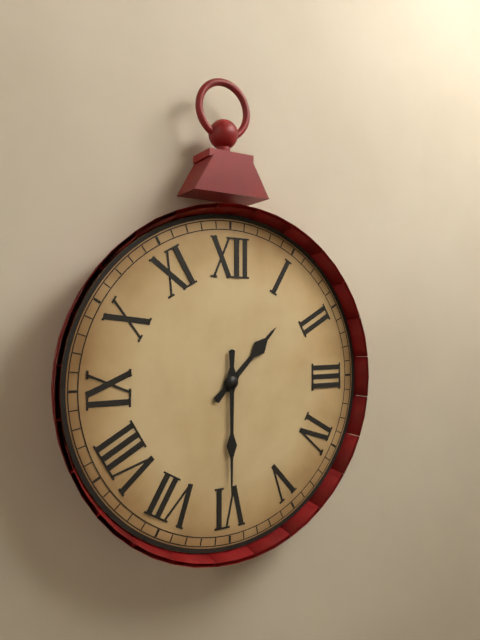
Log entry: 1 h 30 min
